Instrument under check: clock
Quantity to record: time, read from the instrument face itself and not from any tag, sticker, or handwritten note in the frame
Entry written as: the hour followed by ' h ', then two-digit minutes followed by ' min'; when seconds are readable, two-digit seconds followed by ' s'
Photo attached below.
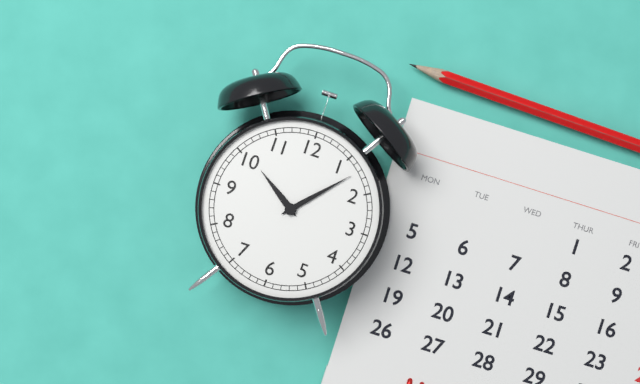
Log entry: 10 h 07 min
